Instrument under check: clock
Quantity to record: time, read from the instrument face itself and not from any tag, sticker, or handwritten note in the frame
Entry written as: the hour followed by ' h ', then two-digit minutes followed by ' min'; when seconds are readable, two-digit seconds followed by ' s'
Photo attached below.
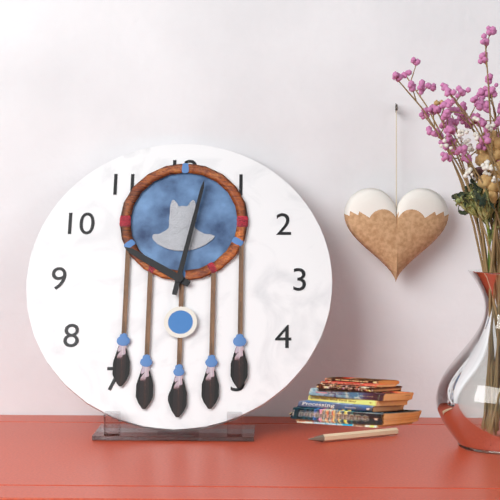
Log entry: 10 h 02 min
